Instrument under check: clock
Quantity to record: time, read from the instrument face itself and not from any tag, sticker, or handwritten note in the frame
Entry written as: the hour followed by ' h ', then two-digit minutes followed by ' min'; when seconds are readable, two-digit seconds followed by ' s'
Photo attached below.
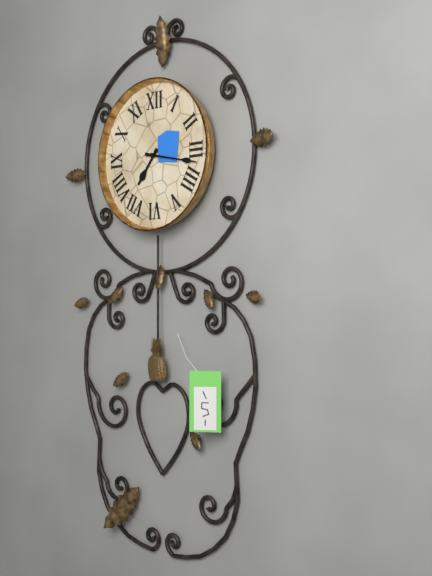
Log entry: 7 h 17 min
